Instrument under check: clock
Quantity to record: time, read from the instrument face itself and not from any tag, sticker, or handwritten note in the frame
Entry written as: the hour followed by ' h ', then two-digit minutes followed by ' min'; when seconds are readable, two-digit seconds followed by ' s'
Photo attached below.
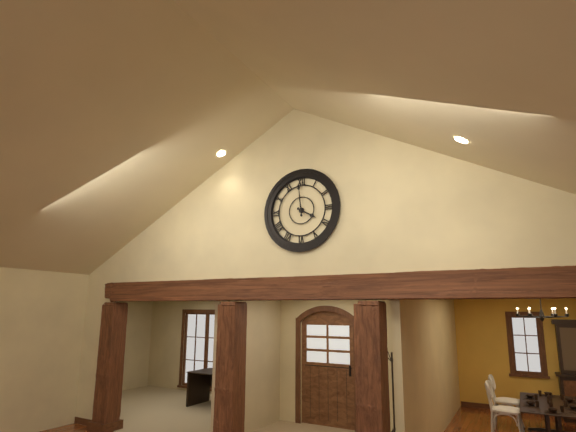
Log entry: 3 h 59 min
